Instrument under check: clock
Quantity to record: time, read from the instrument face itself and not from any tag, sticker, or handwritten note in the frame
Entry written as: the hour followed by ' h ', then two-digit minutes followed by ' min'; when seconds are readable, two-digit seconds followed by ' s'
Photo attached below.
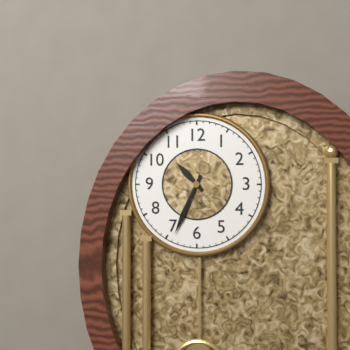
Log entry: 10 h 34 min
